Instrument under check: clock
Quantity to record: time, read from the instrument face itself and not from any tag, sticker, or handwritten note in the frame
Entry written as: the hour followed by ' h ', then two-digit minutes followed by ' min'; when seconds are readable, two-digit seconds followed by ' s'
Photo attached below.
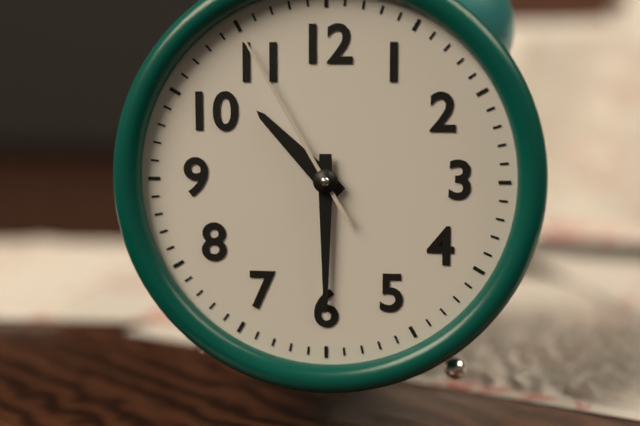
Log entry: 10 h 30 min 55 s
